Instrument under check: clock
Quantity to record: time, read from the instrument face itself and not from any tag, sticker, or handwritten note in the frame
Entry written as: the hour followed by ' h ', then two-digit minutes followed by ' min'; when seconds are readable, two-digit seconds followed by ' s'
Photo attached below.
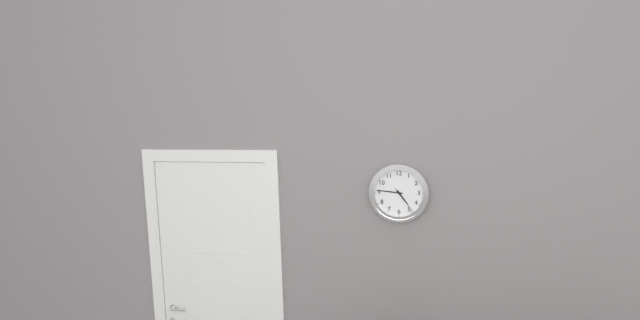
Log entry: 4 h 46 min
